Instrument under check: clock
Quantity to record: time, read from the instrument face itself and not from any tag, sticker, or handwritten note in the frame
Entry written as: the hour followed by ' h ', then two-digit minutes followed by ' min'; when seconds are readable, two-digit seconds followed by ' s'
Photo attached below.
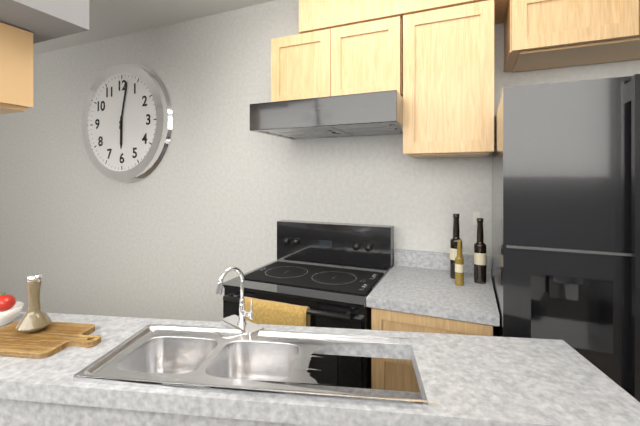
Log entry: 6 h 02 min
